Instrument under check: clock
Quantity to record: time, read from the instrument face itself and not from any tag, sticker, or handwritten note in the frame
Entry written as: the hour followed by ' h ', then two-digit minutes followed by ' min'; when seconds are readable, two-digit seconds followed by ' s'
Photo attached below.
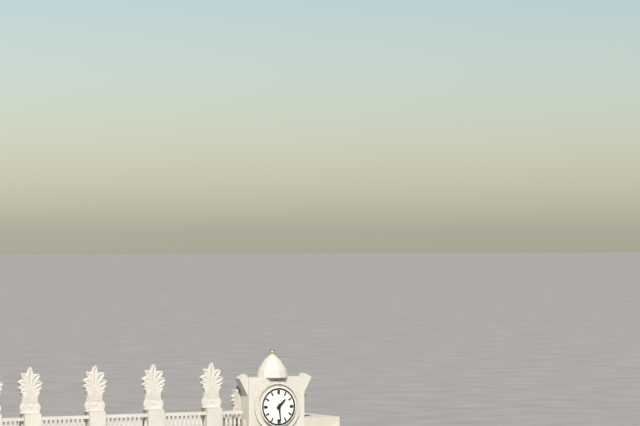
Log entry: 1 h 29 min
